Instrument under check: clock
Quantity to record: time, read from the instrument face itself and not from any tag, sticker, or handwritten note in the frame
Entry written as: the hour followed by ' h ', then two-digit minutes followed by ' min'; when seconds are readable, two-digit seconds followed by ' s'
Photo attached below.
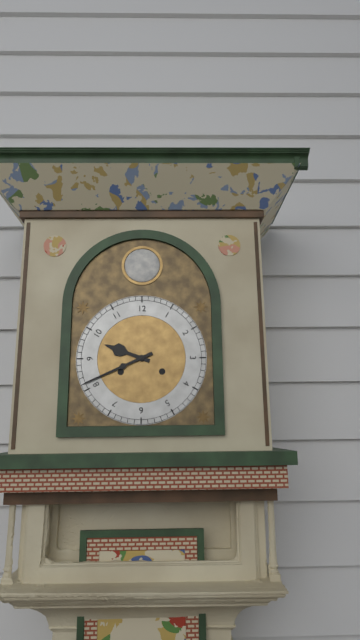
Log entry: 9 h 41 min
